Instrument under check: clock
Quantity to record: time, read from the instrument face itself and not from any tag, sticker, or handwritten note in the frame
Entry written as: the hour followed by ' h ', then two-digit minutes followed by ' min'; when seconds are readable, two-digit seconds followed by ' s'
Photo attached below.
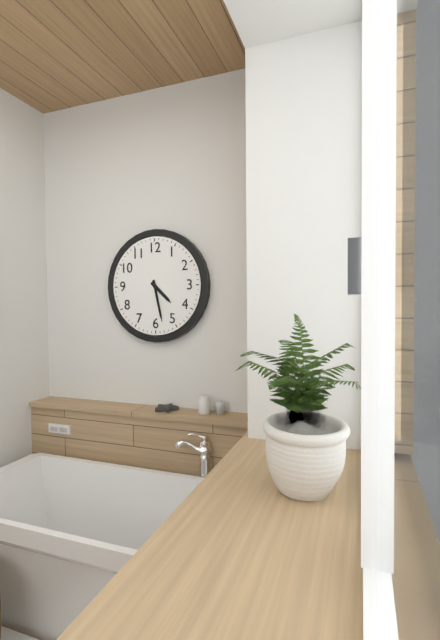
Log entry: 4 h 28 min
